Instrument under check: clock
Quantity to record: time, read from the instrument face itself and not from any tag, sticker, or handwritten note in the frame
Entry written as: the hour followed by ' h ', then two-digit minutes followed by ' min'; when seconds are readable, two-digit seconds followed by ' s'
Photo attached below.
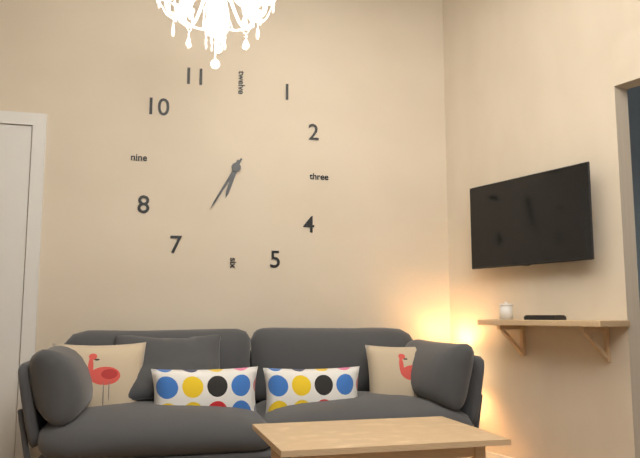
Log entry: 6 h 35 min
